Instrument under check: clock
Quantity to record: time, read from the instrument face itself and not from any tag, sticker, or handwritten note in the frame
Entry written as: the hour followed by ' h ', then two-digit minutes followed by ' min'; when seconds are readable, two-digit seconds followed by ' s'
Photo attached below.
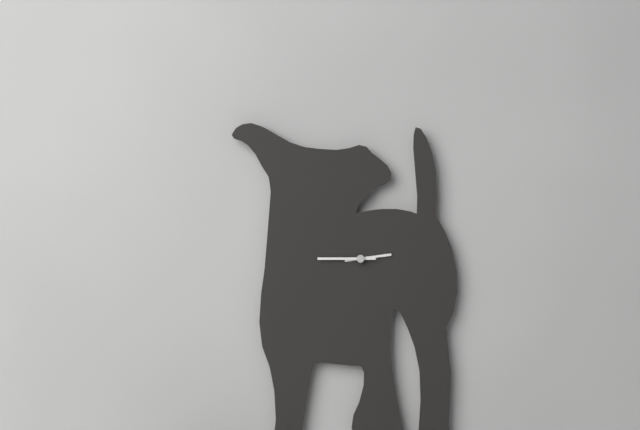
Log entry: 2 h 45 min
